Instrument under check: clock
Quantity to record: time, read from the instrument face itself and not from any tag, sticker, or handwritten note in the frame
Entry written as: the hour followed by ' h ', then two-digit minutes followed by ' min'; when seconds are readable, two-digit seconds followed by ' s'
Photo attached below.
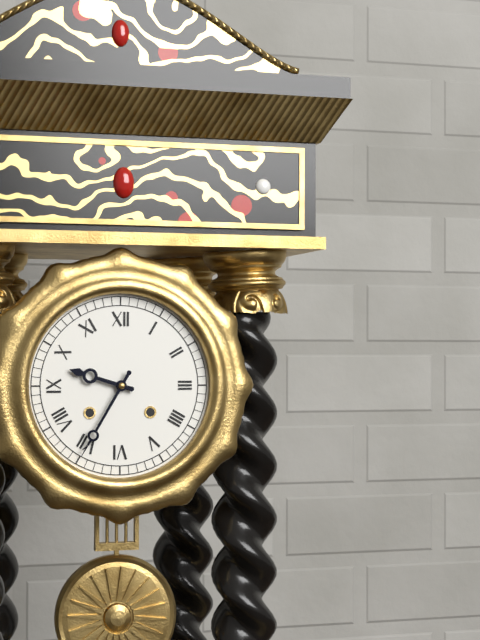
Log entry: 9 h 35 min
